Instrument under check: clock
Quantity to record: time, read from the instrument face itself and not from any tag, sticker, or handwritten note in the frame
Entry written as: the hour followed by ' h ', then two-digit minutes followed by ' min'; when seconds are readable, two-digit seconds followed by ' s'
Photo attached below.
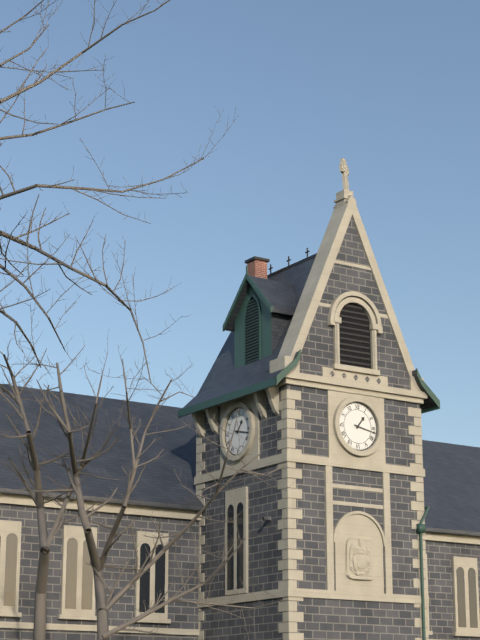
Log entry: 1 h 17 min
